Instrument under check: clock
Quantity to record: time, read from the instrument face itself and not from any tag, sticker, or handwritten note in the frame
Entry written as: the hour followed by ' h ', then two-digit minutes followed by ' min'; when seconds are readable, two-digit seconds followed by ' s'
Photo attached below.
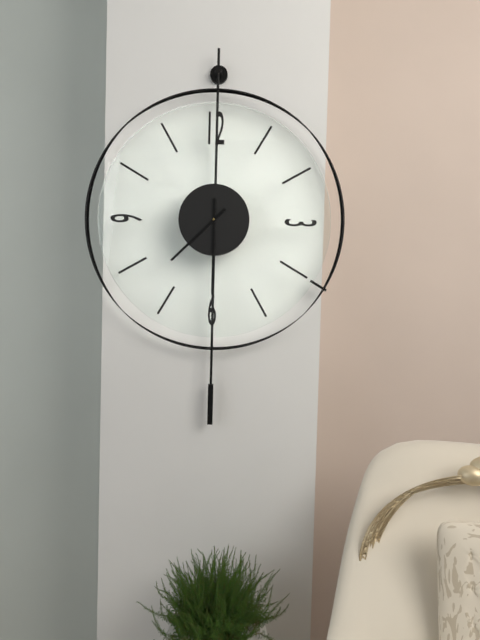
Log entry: 7 h 30 min
